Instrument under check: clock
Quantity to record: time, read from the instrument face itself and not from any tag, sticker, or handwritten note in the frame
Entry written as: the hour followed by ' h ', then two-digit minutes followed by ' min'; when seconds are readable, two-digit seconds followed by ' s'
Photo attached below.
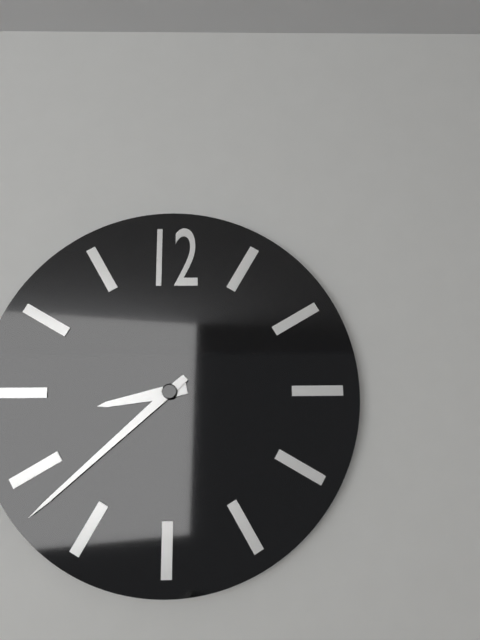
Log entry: 8 h 38 min
